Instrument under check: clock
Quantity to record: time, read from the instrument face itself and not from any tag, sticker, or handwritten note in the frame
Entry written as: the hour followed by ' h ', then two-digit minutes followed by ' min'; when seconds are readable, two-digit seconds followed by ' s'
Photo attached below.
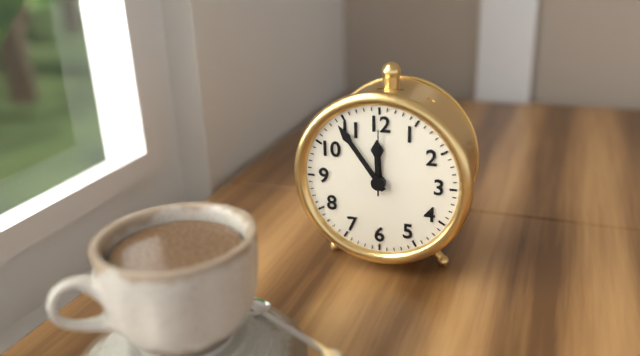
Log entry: 11 h 54 min 00 s
